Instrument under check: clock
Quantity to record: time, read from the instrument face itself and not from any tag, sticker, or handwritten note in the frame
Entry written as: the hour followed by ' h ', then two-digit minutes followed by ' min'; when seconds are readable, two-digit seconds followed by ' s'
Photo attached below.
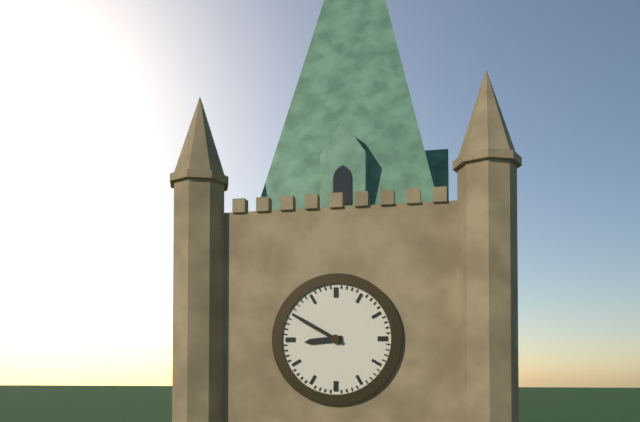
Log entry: 8 h 50 min
